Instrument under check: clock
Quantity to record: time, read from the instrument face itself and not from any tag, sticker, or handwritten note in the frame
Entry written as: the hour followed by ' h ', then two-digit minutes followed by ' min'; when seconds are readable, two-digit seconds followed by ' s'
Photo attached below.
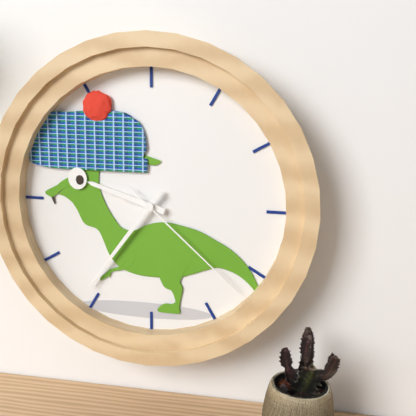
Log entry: 9 h 36 min 22 s
